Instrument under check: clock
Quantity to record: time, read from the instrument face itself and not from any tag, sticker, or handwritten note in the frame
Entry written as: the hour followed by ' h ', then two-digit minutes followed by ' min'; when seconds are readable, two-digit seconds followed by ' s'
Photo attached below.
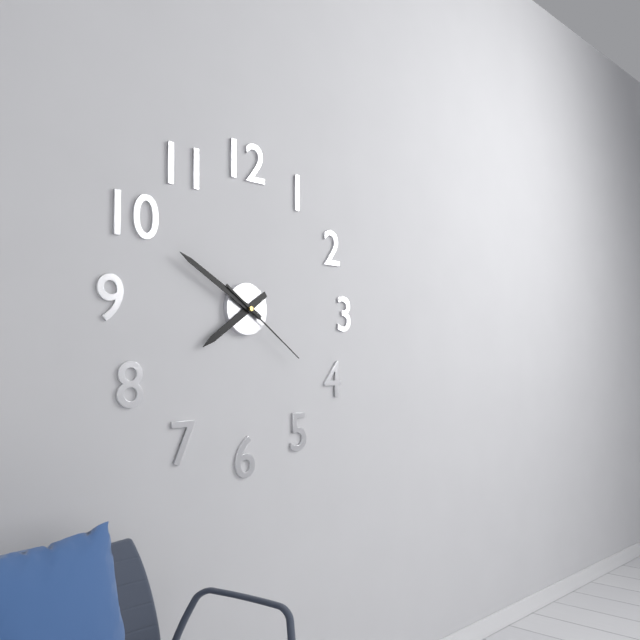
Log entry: 7 h 50 min 21 s
